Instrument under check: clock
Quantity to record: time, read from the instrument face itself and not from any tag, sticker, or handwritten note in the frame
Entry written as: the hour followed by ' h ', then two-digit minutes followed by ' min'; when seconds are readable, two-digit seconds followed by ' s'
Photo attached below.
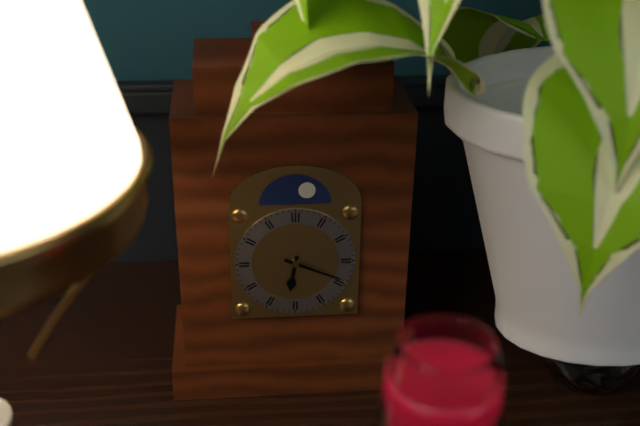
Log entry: 6 h 19 min
